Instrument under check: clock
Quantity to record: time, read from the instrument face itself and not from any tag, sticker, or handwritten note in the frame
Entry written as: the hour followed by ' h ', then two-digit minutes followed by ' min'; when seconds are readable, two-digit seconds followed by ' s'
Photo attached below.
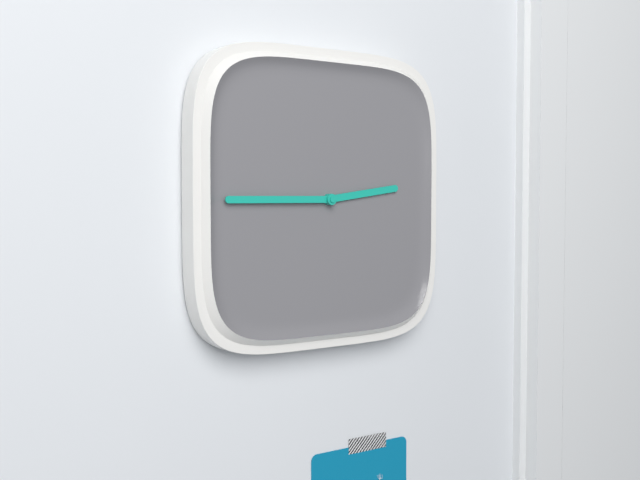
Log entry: 2 h 45 min
